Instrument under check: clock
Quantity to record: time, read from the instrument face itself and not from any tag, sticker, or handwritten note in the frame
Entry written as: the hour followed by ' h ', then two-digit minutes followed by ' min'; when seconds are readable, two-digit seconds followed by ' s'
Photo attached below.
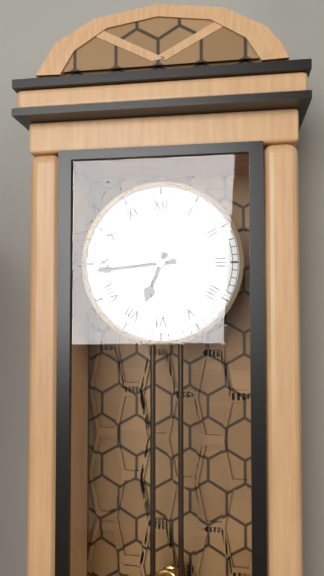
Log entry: 6 h 44 min
